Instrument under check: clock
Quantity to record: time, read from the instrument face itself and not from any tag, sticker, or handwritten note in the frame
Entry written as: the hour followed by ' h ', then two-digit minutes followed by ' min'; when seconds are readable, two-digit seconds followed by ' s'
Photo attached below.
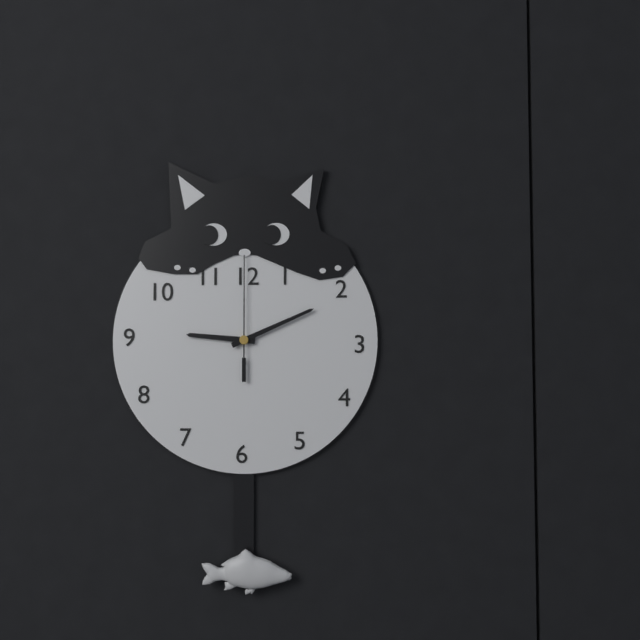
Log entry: 9 h 11 min 00 s
